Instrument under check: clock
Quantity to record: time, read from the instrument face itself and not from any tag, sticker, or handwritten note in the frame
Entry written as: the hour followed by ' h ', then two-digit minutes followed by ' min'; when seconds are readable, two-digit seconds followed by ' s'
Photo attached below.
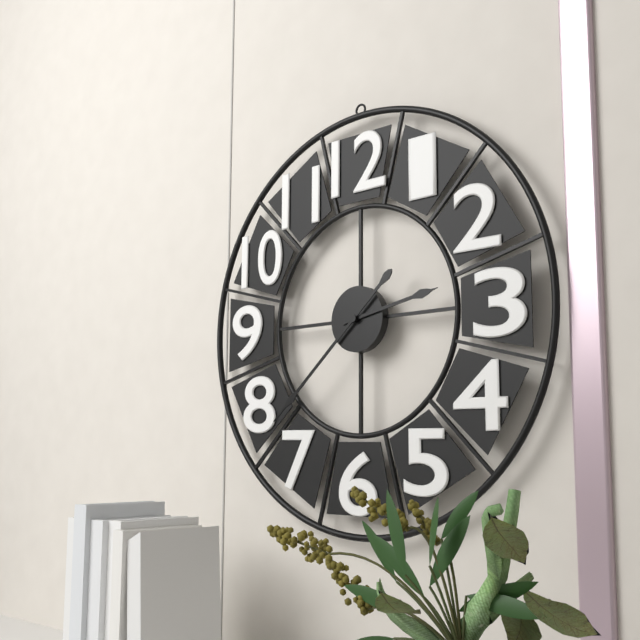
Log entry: 2 h 38 min
